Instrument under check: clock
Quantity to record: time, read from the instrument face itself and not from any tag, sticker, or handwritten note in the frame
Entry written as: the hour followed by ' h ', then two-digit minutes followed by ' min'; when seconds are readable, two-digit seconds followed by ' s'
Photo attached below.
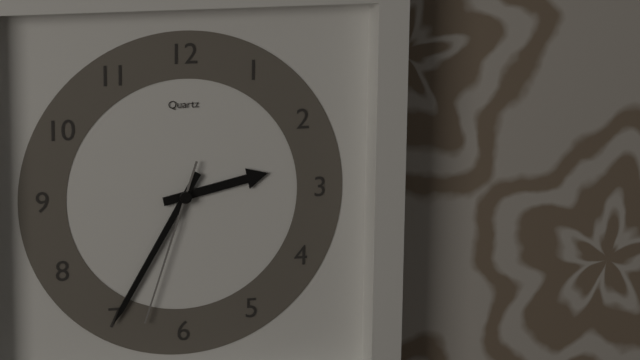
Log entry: 2 h 35 min 33 s
